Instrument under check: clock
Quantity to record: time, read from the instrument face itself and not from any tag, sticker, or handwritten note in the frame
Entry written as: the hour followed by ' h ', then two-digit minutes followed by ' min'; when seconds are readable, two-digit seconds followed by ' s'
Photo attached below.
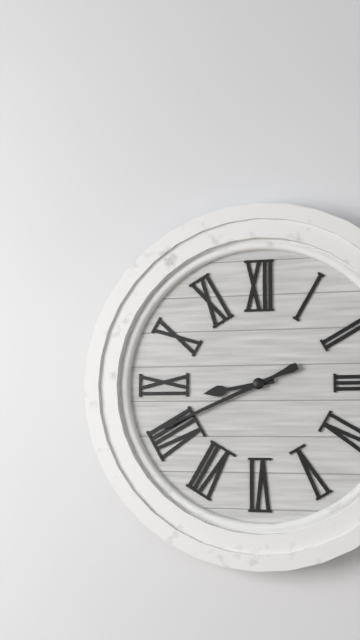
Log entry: 8 h 41 min
